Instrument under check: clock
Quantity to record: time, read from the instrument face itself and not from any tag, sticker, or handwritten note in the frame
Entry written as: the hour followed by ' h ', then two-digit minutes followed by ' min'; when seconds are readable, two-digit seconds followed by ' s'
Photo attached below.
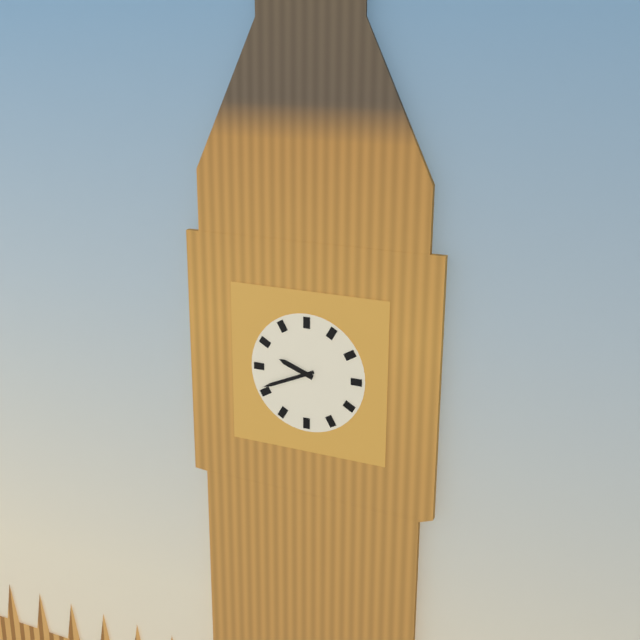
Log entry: 9 h 41 min
